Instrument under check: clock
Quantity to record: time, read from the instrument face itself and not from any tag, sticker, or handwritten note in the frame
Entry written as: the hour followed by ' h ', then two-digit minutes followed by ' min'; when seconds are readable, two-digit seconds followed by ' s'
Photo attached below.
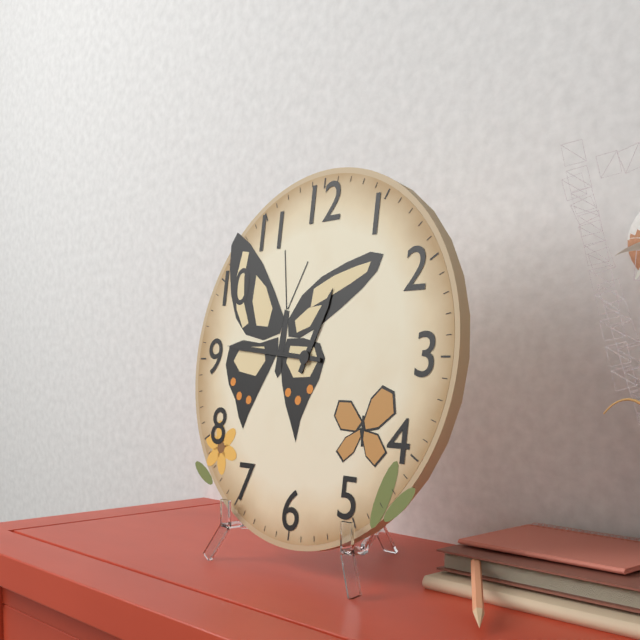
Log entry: 12 h 46 min
